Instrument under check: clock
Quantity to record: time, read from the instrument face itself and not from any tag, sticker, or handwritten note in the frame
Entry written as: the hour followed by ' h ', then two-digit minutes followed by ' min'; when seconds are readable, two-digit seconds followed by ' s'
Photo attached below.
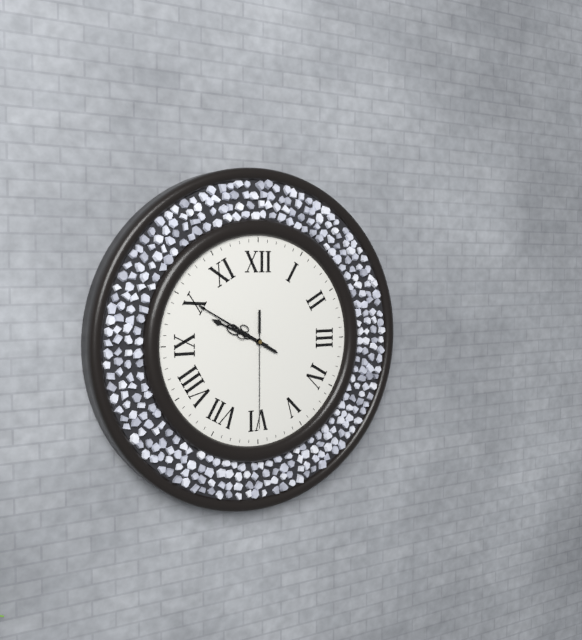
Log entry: 9 h 50 min 30 s
